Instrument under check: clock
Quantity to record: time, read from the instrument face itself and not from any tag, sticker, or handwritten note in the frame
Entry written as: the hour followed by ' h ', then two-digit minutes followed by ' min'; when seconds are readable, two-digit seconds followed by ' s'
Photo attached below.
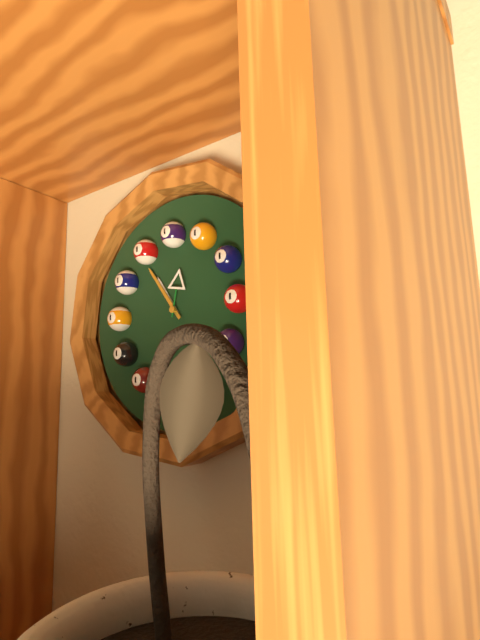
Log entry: 10 h 54 min 02 s
